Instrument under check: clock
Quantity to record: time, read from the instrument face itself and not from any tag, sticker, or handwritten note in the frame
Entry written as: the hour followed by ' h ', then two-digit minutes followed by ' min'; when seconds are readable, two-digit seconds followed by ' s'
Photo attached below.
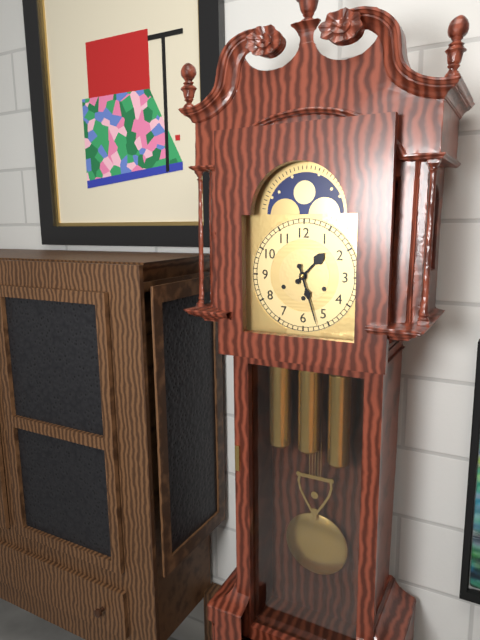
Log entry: 1 h 27 min
